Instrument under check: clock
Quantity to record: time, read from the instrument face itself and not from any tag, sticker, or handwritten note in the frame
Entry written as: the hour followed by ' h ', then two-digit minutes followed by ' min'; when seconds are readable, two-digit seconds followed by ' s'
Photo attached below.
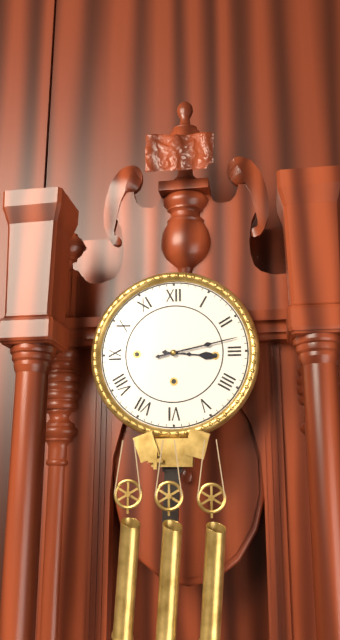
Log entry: 3 h 13 min
